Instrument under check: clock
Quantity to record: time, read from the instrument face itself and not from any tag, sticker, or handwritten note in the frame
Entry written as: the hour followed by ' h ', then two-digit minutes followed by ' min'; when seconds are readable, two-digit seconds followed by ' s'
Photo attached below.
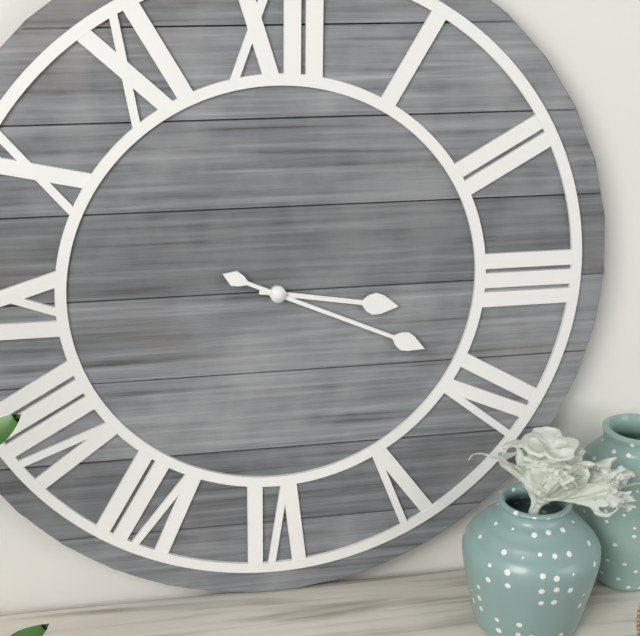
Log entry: 3 h 19 min
